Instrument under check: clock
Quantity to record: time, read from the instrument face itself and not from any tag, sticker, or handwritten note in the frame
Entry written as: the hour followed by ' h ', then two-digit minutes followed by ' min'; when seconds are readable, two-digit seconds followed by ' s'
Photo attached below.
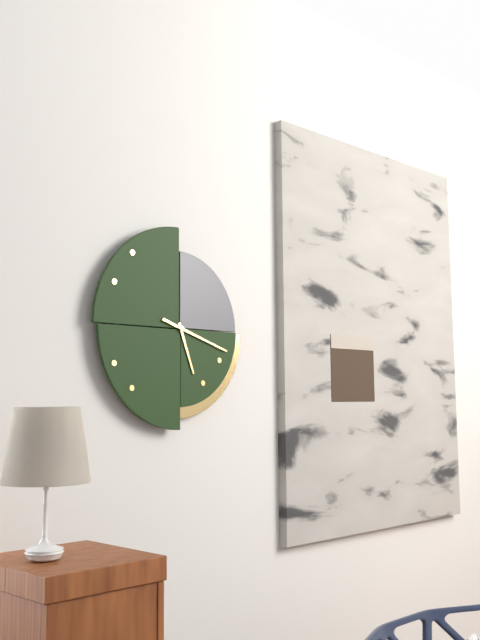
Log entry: 5 h 18 min
